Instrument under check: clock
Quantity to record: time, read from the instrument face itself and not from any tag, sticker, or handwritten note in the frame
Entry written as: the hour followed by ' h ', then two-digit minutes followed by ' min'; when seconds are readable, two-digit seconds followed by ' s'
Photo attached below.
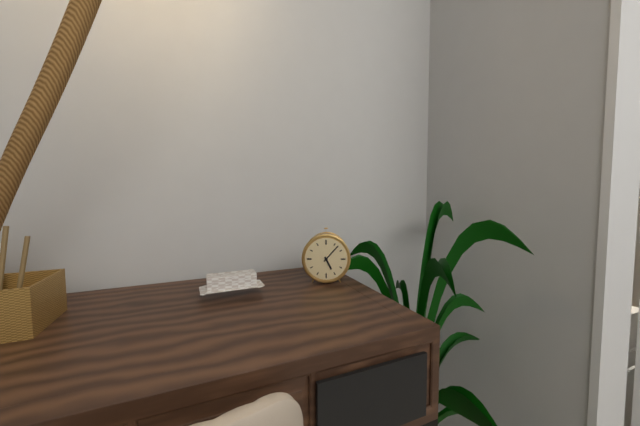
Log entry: 5 h 07 min
